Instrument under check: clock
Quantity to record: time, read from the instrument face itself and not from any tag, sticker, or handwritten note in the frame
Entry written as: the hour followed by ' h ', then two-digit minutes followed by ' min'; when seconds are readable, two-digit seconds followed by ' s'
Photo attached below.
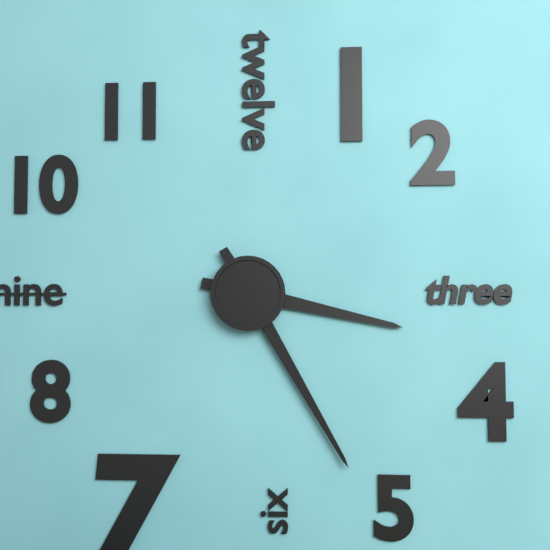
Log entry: 3 h 25 min
